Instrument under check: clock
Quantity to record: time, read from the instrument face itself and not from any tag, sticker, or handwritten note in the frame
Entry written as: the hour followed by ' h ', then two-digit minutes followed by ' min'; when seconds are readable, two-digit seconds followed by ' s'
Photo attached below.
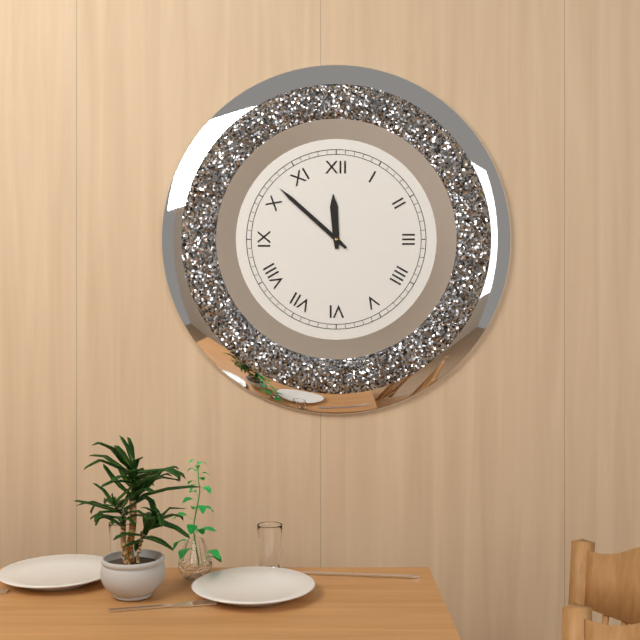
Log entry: 11 h 52 min
